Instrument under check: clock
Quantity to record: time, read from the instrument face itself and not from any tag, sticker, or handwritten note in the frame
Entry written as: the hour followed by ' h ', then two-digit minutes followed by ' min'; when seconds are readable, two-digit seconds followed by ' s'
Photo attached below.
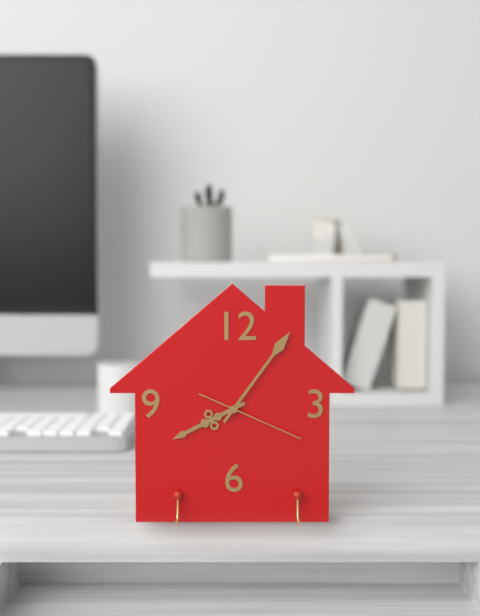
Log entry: 8 h 06 min 19 s
